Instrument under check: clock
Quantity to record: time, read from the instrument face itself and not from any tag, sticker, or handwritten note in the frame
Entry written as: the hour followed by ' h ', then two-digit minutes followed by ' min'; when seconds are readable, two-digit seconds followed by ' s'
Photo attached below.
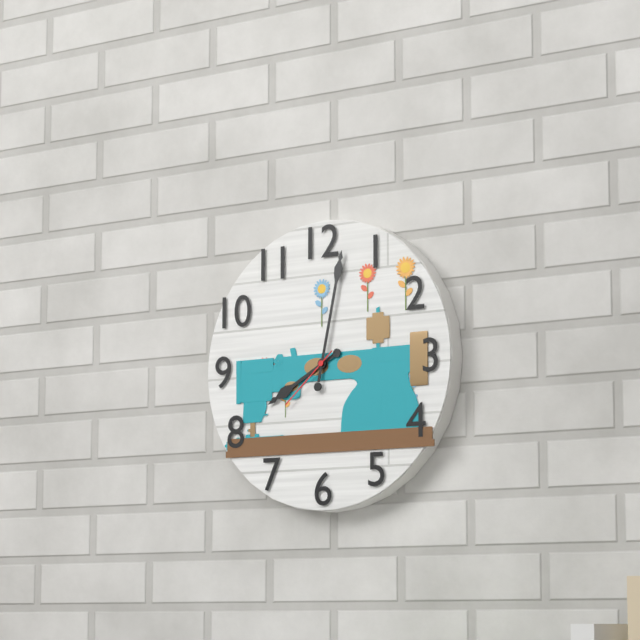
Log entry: 8 h 02 min 38 s
